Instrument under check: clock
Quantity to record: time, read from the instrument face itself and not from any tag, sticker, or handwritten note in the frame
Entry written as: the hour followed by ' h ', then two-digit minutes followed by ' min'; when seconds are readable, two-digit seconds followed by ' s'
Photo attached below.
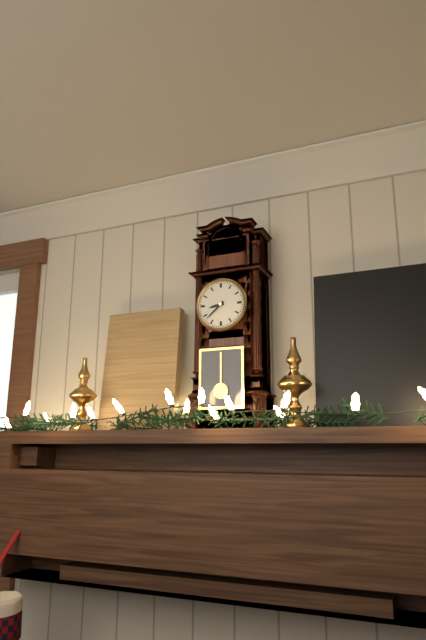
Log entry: 8 h 38 min
